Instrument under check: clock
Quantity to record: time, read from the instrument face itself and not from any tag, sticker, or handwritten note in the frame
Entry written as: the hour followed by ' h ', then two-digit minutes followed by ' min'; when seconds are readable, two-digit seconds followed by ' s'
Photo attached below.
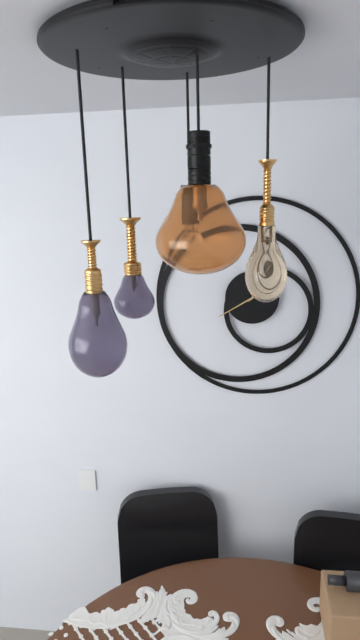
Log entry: 1 h 40 min
